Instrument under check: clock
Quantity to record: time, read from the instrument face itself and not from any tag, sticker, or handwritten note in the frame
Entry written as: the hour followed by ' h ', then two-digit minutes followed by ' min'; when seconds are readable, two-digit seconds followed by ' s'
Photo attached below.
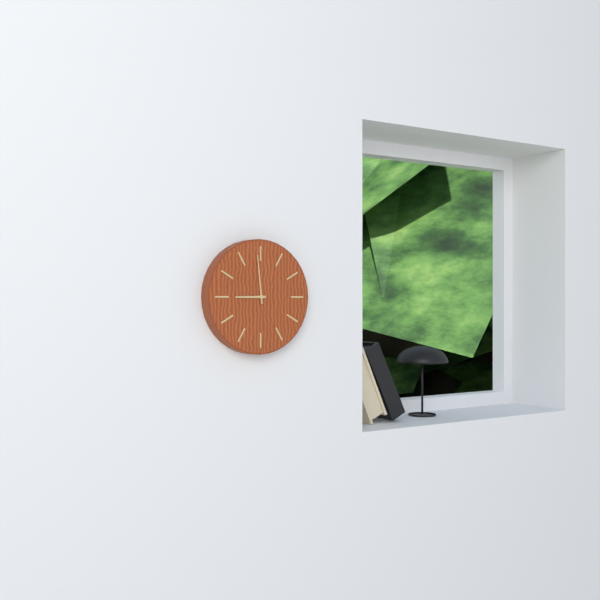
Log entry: 8 h 59 min
